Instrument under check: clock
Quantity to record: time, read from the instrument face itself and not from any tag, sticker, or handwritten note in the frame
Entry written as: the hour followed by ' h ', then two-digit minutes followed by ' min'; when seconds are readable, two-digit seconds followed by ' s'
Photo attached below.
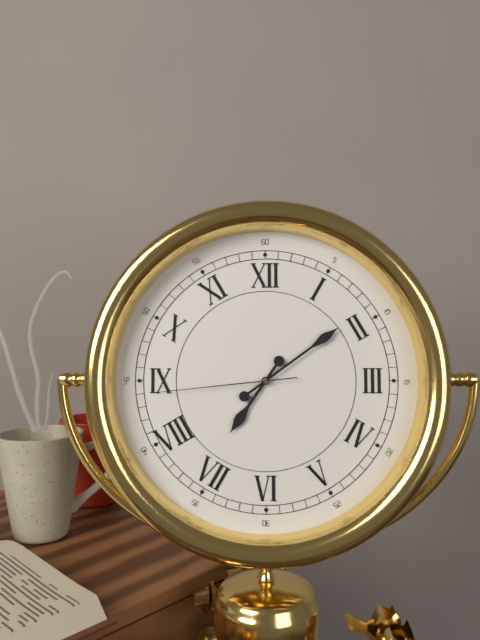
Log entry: 7 h 09 min 44 s
